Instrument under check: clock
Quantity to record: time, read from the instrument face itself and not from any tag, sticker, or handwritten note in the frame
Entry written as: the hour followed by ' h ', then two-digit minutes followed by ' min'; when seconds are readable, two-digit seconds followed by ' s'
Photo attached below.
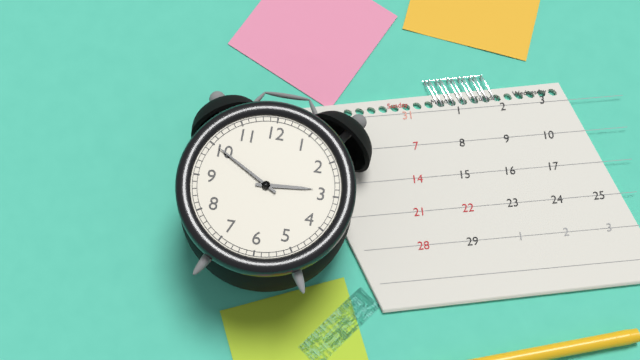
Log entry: 2 h 50 min
